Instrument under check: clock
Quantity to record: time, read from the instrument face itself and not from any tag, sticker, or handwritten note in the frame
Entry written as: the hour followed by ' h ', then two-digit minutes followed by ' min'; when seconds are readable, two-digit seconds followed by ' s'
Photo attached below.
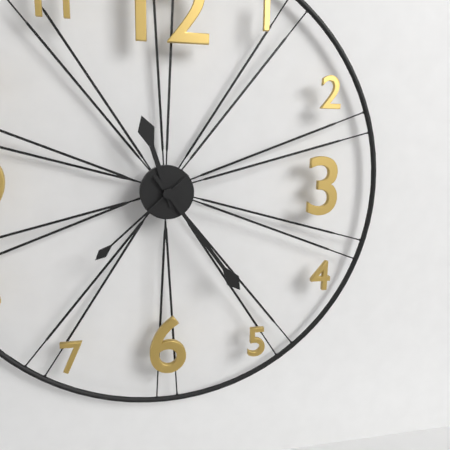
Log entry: 11 h 24 min 38 s
